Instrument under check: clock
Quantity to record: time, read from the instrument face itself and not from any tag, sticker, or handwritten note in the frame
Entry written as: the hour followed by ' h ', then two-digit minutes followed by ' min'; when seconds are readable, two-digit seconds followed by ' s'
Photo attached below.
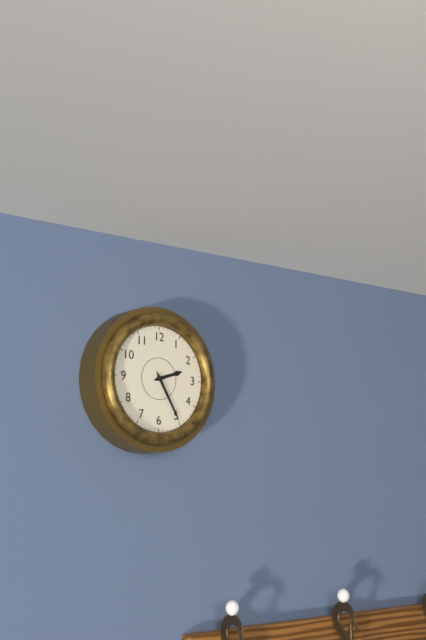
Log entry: 2 h 25 min
